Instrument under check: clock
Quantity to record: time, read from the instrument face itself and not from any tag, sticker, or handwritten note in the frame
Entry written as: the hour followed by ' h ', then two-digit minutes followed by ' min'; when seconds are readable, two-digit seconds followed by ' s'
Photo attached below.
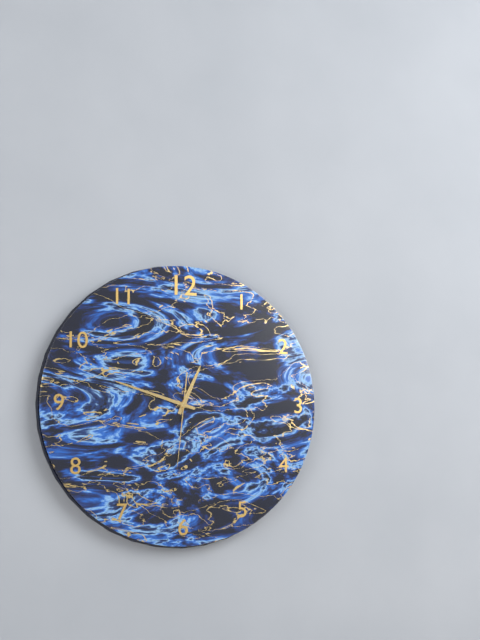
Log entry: 12 h 48 min 31 s
